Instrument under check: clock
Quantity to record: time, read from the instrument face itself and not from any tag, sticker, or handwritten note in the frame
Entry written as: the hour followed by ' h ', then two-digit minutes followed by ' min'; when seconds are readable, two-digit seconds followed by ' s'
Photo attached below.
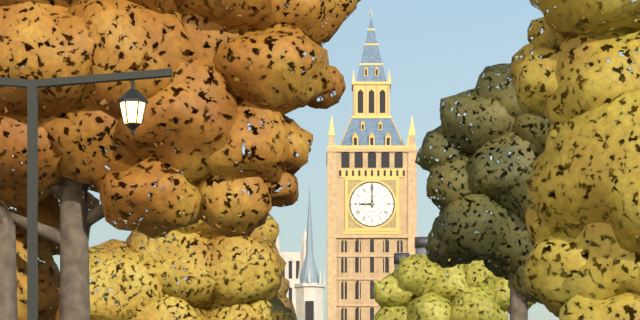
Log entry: 9 h 00 min
